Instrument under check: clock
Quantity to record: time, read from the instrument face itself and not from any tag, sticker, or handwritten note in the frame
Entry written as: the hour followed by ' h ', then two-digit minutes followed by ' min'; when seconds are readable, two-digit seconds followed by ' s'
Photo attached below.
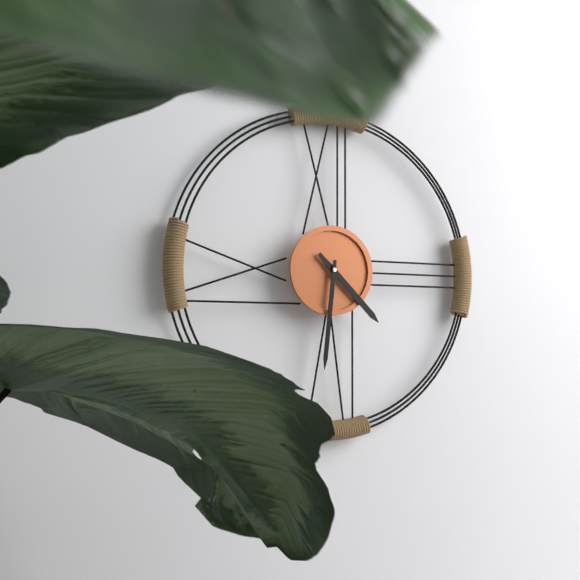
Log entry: 4 h 31 min
